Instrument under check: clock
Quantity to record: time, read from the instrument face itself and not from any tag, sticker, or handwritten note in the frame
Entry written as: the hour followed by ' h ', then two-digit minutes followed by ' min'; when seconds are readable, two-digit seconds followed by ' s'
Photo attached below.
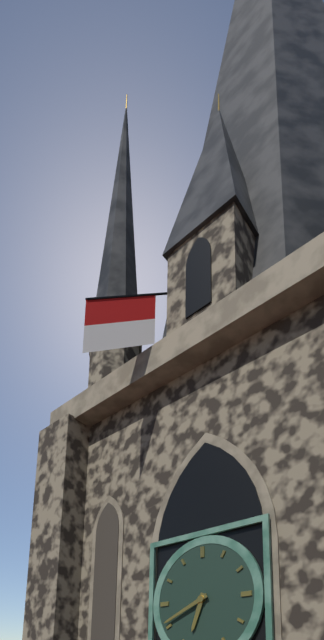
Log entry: 6 h 41 min
